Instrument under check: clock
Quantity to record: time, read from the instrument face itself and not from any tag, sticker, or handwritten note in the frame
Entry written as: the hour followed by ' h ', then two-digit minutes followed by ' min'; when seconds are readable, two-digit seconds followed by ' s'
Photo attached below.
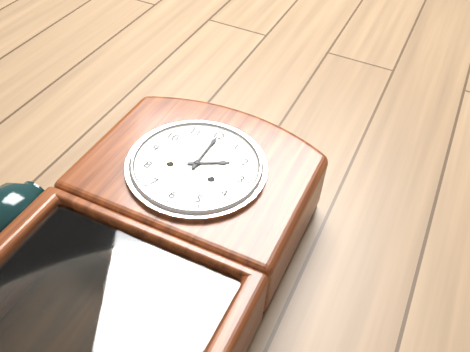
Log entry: 2 h 00 min
